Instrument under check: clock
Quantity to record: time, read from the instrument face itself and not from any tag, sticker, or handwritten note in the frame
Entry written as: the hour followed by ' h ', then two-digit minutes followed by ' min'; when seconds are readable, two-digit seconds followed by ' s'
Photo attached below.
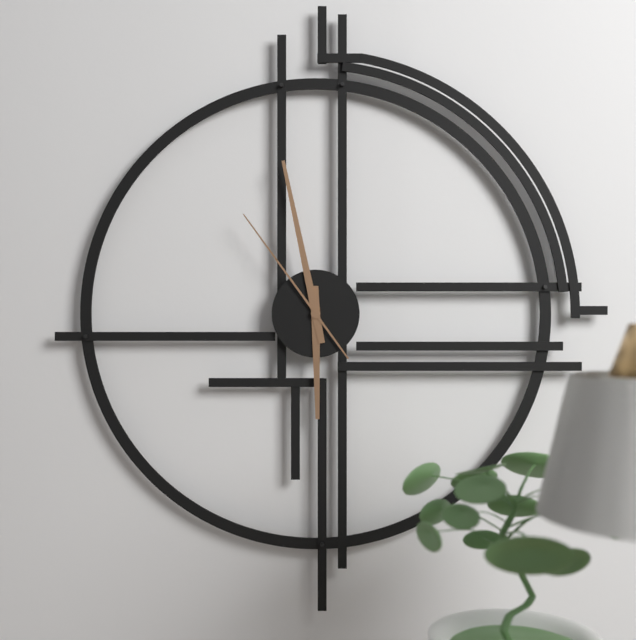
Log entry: 5 h 58 min 54 s
